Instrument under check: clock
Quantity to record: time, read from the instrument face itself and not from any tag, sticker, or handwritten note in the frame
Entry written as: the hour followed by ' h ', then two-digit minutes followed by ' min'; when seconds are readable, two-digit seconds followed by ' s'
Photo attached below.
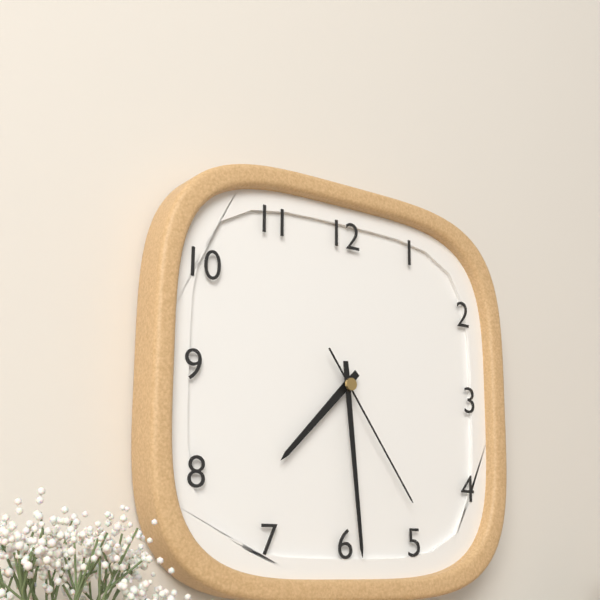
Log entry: 7 h 29 min 24 s
